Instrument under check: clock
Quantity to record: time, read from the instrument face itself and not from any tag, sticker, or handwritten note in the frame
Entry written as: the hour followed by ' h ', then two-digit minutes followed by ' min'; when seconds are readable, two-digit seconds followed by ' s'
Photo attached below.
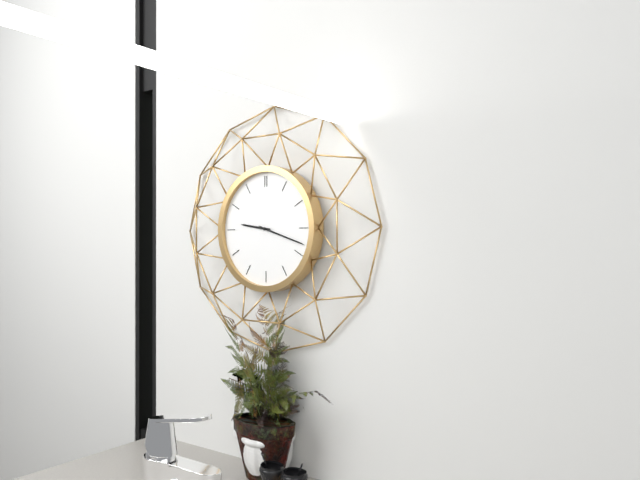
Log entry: 9 h 18 min
